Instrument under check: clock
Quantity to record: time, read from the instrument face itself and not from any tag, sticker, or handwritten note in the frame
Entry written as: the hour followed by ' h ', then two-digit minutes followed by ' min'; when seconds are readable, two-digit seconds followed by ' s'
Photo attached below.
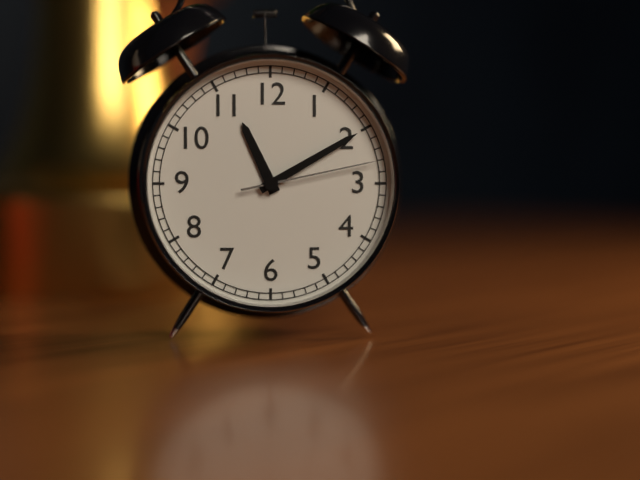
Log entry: 11 h 10 min 13 s
